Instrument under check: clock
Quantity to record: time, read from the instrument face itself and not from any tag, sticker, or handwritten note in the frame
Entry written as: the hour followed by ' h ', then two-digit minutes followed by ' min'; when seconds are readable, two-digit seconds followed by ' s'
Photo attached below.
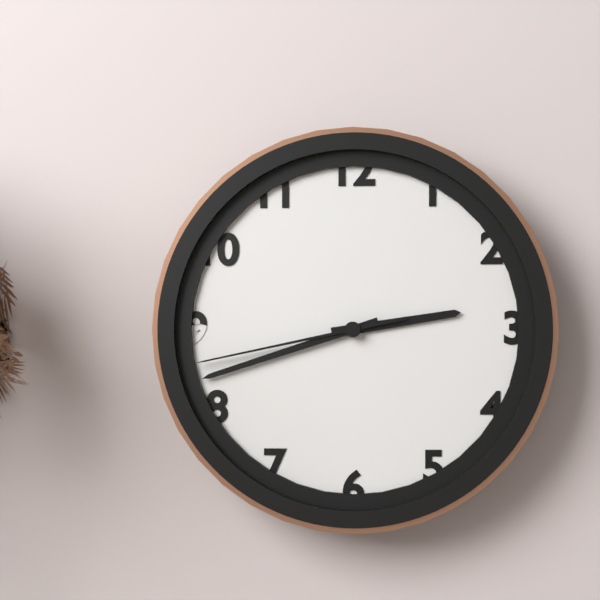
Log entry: 2 h 42 min 43 s
